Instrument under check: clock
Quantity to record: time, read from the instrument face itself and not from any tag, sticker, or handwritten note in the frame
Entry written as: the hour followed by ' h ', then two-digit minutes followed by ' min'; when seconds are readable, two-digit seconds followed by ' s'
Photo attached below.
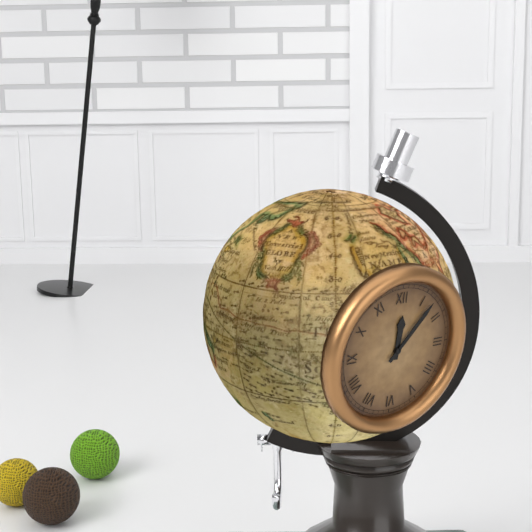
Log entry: 12 h 07 min
